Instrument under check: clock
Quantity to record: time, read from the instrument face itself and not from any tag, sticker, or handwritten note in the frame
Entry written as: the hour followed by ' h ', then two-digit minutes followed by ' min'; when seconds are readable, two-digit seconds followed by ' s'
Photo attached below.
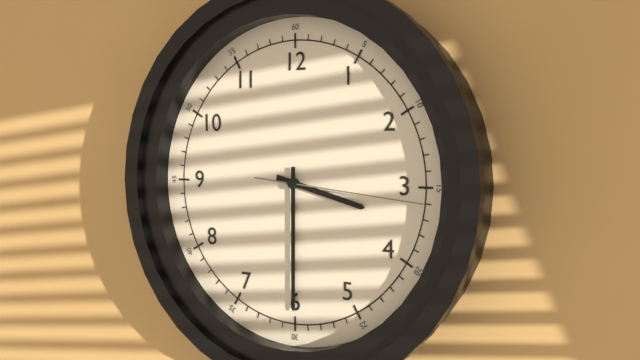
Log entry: 3 h 30 min 16 s
